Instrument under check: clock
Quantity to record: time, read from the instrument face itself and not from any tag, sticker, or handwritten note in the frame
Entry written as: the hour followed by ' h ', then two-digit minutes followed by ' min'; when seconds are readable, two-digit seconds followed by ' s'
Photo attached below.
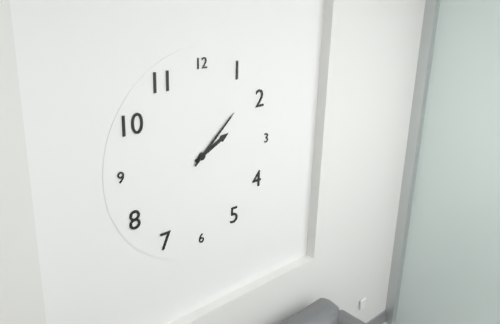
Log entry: 2 h 08 min
